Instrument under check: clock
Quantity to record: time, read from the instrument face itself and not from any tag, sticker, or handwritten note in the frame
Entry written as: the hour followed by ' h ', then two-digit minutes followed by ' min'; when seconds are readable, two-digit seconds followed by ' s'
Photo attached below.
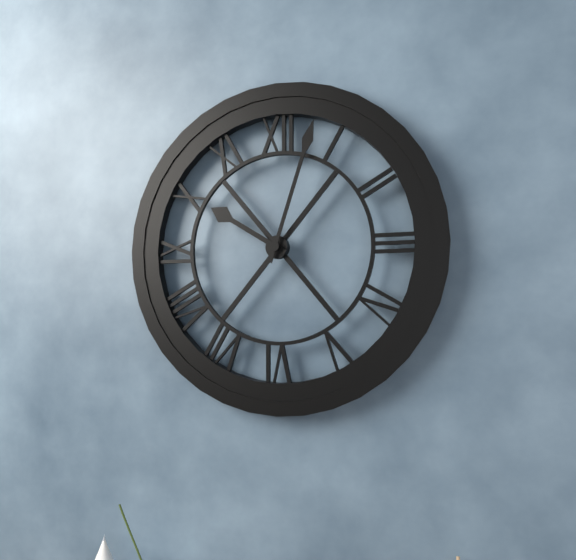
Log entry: 10 h 03 min
